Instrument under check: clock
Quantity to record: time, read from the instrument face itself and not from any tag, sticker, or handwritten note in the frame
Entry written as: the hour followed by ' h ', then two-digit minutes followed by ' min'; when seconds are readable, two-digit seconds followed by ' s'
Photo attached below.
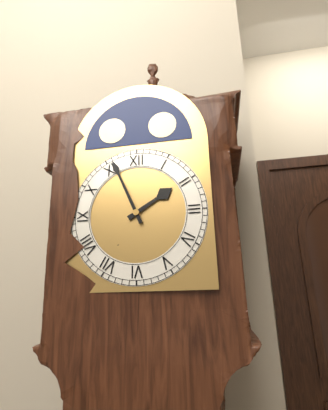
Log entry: 1 h 56 min
